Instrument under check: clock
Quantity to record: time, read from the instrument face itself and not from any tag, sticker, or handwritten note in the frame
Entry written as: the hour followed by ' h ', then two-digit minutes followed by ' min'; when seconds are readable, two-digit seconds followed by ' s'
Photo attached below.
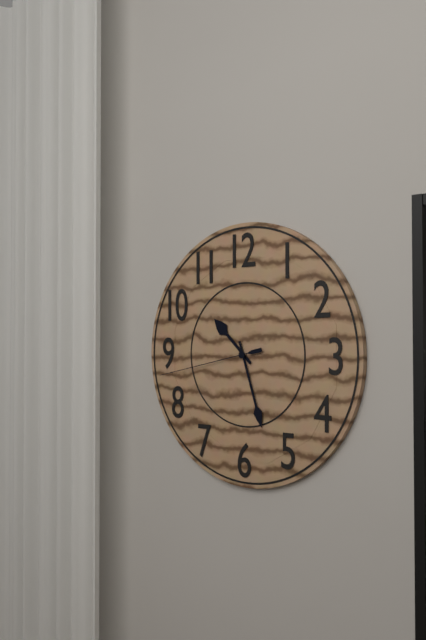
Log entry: 10 h 27 min 43 s
